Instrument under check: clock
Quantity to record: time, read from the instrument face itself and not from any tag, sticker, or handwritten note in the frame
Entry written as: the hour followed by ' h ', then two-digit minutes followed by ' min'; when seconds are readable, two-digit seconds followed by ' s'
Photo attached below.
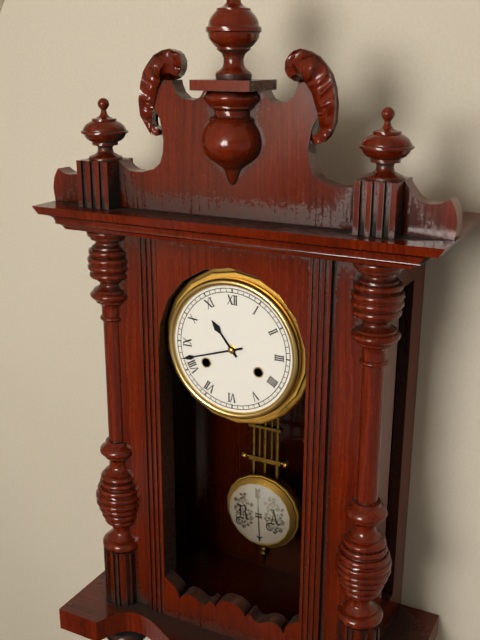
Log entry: 10 h 42 min
